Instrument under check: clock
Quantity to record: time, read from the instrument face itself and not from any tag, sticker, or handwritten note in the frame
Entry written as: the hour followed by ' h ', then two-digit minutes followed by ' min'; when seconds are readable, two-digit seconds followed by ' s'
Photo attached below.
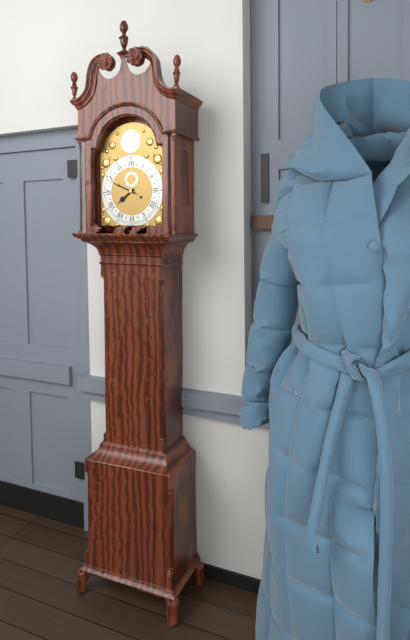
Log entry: 7 h 49 min
